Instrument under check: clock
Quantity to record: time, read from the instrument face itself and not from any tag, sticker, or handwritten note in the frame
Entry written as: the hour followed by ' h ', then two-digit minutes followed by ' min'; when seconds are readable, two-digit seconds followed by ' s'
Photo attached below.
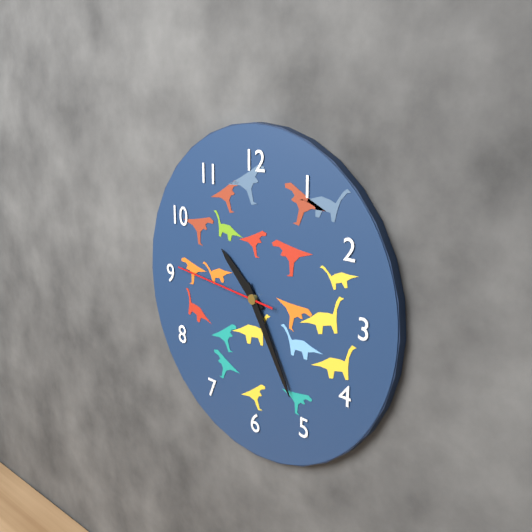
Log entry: 10 h 25 min 46 s
